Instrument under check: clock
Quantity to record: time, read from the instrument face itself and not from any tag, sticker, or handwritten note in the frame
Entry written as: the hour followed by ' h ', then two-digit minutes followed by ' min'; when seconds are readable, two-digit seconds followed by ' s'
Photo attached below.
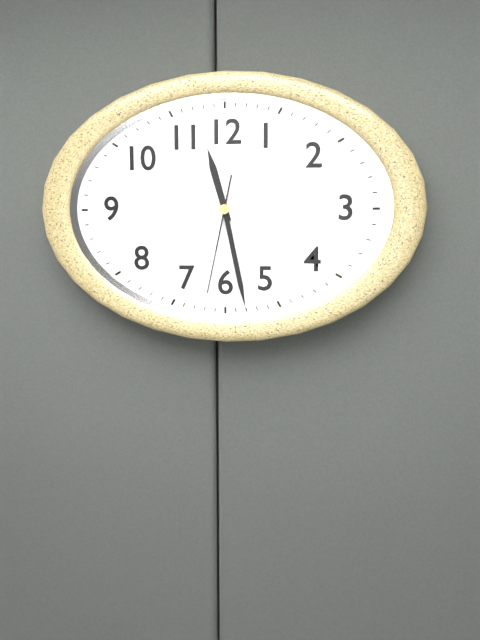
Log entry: 11 h 28 min 32 s
